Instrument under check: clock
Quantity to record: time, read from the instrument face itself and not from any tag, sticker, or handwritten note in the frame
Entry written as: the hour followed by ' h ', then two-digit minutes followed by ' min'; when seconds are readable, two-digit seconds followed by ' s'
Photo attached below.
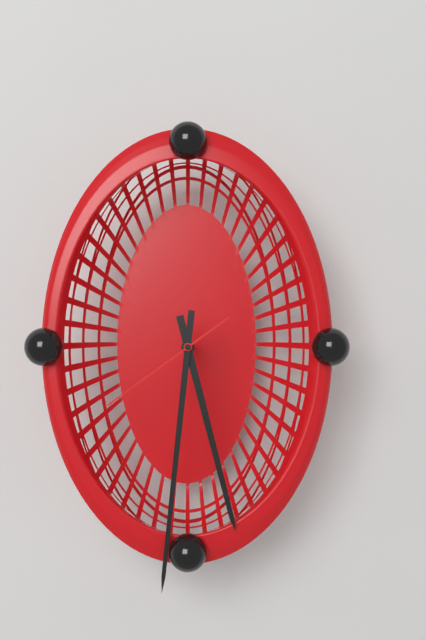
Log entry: 5 h 31 min 39 s
